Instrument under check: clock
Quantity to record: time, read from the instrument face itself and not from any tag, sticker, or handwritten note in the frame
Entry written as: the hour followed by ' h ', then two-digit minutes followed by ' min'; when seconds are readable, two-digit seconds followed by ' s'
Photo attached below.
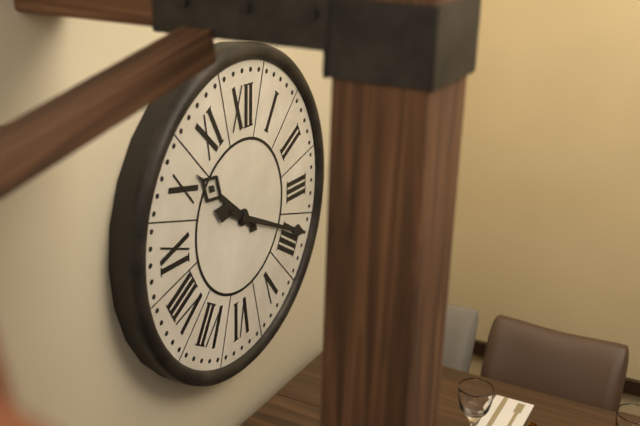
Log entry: 10 h 19 min
